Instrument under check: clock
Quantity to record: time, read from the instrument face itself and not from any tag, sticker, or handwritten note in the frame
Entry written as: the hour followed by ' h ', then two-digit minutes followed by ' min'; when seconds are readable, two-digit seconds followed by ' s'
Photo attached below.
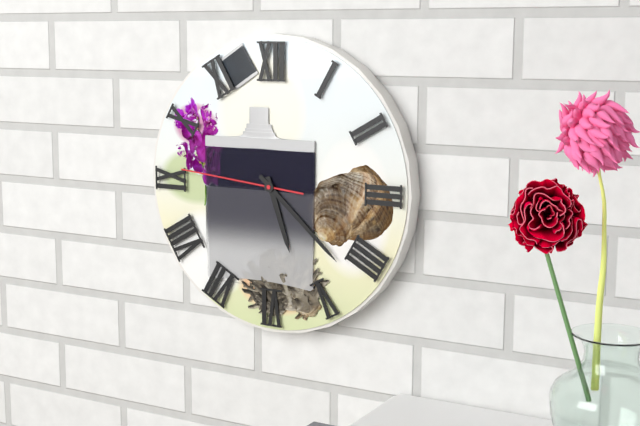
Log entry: 5 h 22 min 46 s
